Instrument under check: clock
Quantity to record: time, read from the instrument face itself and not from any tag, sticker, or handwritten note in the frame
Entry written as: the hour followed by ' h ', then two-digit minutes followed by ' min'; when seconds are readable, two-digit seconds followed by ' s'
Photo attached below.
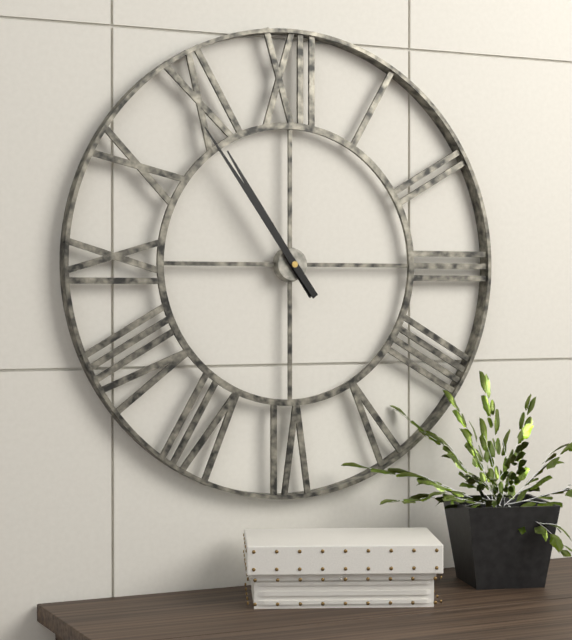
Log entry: 10 h 54 min
